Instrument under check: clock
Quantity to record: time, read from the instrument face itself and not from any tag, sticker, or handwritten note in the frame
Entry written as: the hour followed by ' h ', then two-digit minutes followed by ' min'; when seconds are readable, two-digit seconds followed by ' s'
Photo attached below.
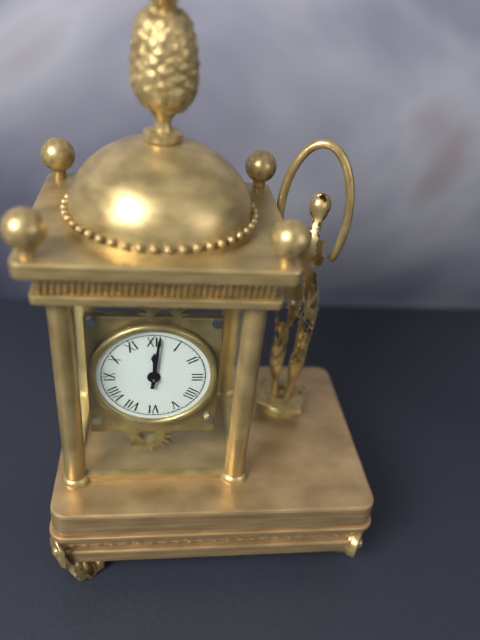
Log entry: 12 h 01 min
